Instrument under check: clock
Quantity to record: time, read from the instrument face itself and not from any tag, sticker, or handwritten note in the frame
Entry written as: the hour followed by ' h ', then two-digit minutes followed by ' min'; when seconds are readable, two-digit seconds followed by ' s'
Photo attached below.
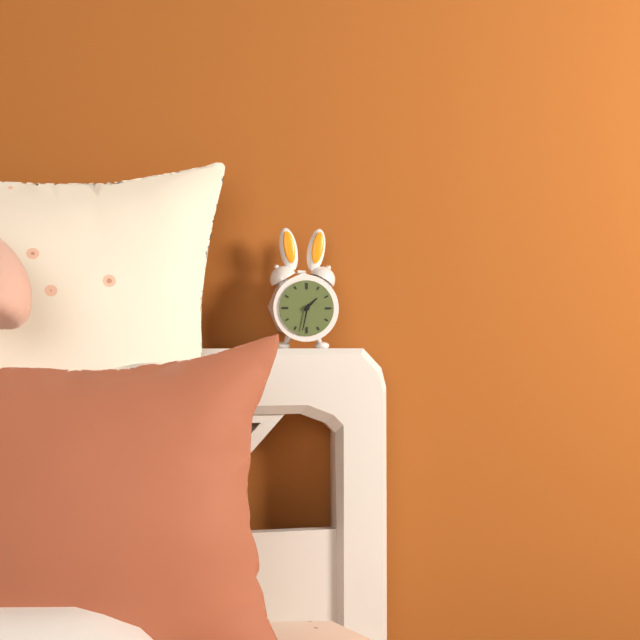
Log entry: 1 h 32 min
